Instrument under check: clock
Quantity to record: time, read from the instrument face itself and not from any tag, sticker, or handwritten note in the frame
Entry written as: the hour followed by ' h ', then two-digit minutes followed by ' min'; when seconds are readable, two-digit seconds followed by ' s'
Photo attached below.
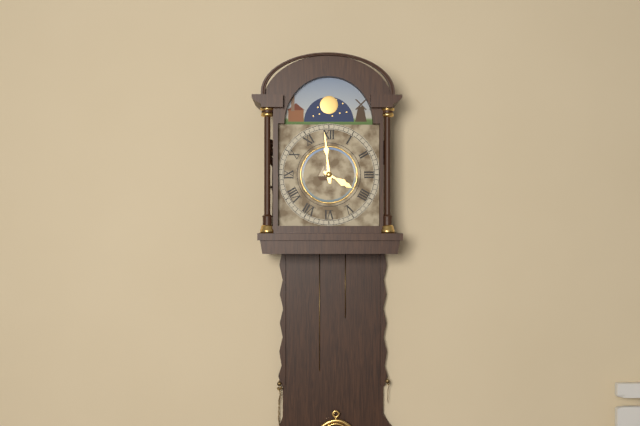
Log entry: 3 h 59 min
